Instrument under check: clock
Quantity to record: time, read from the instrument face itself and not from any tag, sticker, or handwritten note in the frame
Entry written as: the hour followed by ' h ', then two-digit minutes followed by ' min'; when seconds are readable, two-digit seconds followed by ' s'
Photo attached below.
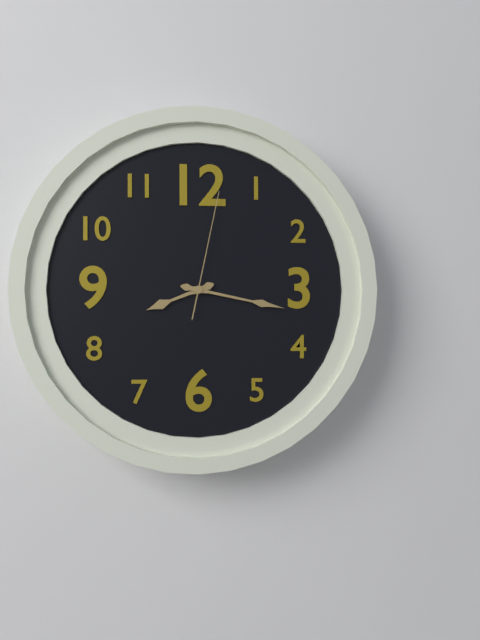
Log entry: 8 h 17 min 02 s
